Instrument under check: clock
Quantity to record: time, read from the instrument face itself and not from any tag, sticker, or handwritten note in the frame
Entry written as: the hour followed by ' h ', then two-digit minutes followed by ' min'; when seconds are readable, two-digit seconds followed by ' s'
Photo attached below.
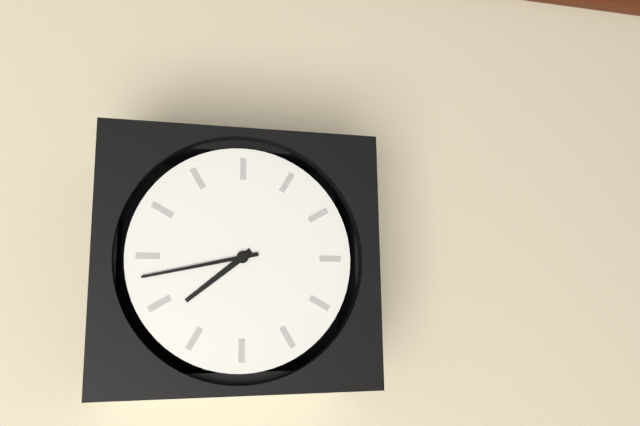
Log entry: 7 h 43 min
